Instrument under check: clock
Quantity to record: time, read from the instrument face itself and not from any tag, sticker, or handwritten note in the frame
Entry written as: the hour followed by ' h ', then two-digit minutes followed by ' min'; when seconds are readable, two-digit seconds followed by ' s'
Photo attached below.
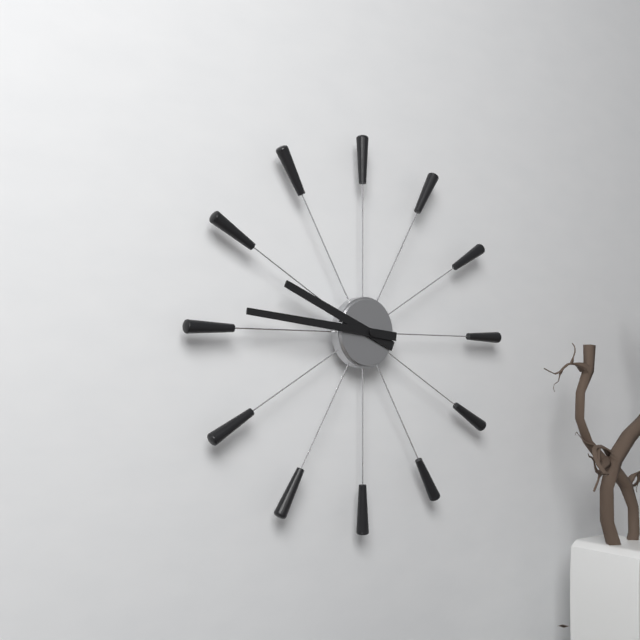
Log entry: 9 h 46 min
